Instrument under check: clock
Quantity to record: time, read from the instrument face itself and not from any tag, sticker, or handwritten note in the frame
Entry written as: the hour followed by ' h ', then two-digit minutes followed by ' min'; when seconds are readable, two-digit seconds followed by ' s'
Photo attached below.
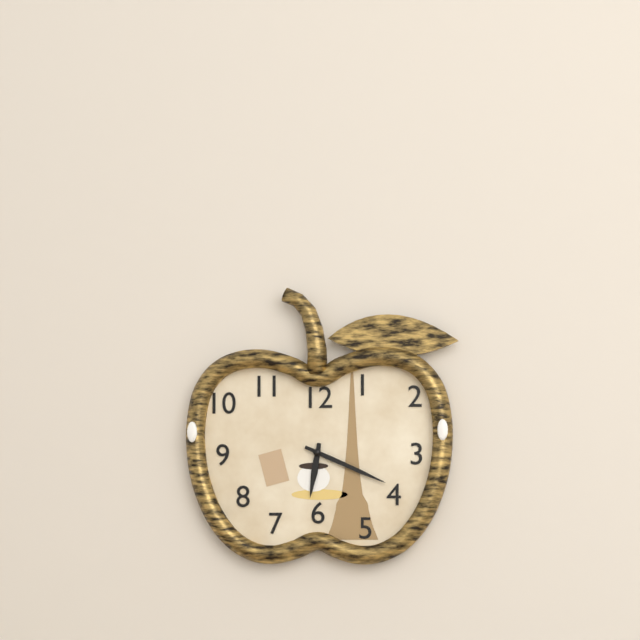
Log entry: 6 h 19 min
